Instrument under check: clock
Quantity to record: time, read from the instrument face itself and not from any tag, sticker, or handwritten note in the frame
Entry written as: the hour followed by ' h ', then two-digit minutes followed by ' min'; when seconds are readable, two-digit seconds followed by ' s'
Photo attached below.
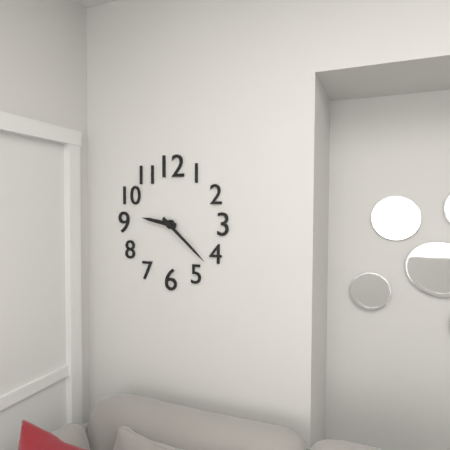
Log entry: 9 h 22 min
